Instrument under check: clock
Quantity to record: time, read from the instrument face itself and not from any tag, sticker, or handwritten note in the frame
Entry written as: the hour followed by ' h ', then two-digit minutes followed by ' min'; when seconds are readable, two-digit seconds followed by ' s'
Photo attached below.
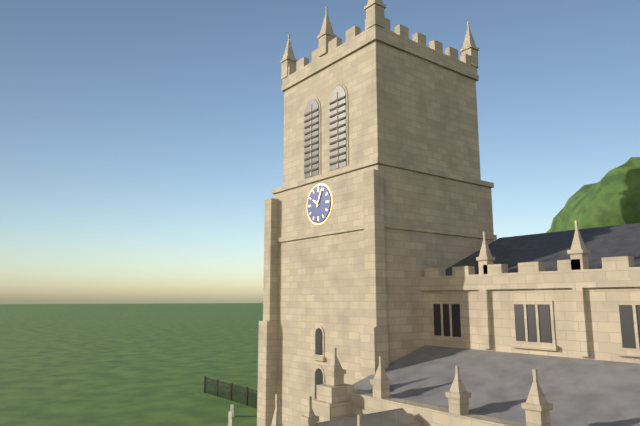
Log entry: 10 h 04 min
